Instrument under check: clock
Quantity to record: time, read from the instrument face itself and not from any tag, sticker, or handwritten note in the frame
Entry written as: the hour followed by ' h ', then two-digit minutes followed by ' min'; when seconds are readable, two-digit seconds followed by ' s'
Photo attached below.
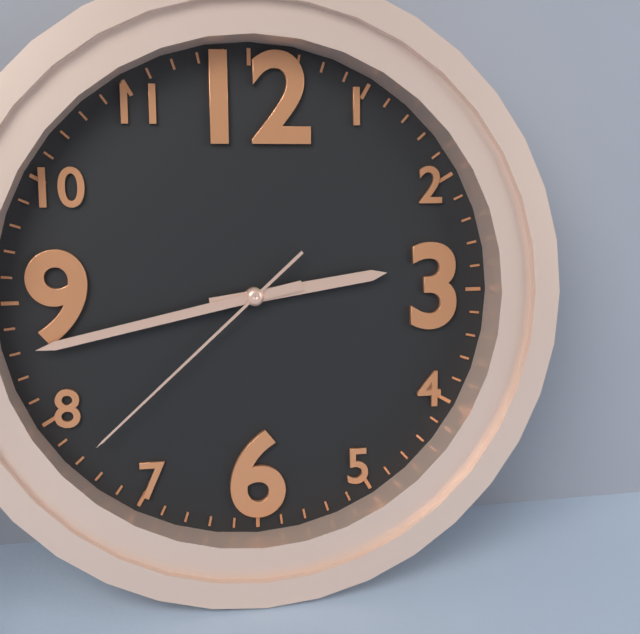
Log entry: 2 h 43 min 38 s
